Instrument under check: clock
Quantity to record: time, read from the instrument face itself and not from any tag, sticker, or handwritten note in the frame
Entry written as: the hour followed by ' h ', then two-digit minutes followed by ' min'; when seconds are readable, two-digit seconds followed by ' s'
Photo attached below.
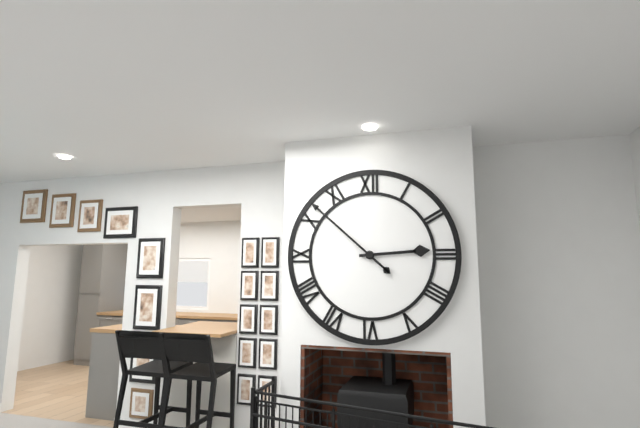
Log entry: 2 h 52 min
